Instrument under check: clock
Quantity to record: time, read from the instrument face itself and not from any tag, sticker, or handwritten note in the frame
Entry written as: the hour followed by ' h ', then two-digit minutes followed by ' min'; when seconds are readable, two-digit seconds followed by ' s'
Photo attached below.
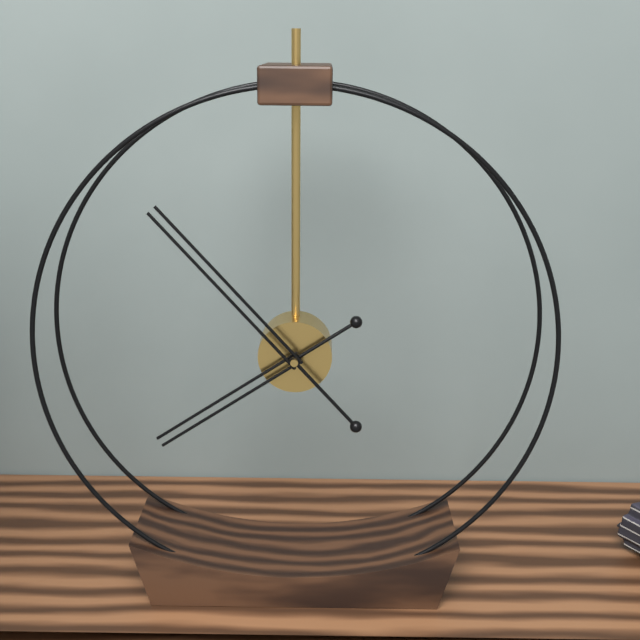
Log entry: 7 h 53 min
